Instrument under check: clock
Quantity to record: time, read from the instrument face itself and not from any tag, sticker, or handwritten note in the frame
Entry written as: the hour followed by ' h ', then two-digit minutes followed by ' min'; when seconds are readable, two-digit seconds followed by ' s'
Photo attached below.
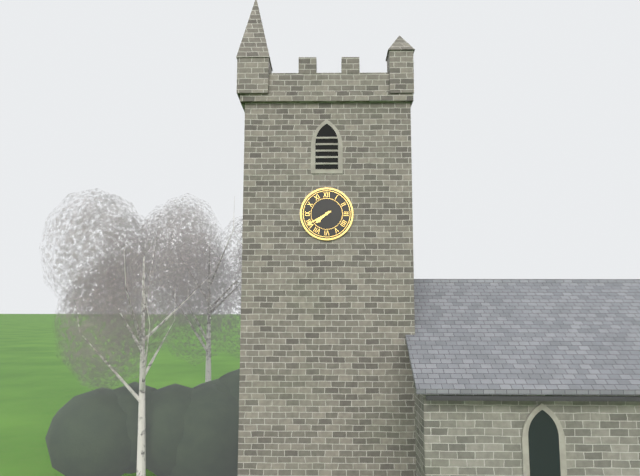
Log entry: 7 h 40 min
